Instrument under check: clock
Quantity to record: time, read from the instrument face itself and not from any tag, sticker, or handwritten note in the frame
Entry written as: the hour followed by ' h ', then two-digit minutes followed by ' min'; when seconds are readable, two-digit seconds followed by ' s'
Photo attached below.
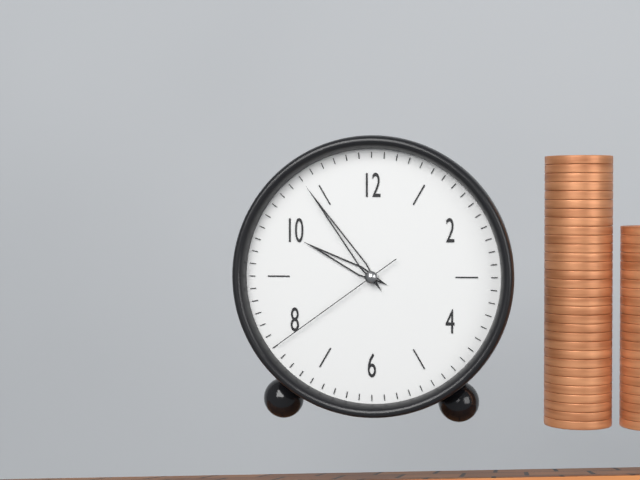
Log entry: 9 h 54 min 39 s
